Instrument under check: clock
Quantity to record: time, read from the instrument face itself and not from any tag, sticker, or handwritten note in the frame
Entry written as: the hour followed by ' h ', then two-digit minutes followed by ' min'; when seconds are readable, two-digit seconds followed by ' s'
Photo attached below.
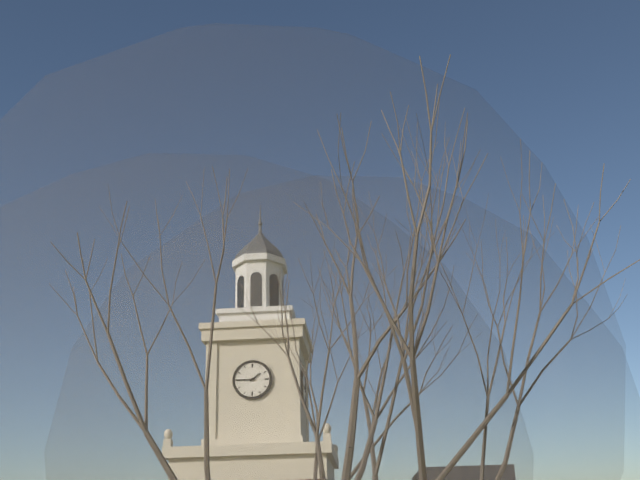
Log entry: 1 h 45 min
